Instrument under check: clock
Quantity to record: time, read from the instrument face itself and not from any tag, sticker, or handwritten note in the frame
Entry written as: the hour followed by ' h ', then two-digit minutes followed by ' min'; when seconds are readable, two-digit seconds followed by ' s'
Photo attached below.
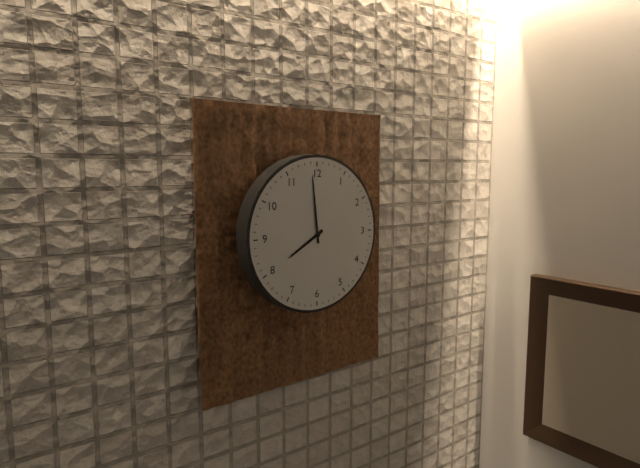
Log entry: 7 h 59 min
